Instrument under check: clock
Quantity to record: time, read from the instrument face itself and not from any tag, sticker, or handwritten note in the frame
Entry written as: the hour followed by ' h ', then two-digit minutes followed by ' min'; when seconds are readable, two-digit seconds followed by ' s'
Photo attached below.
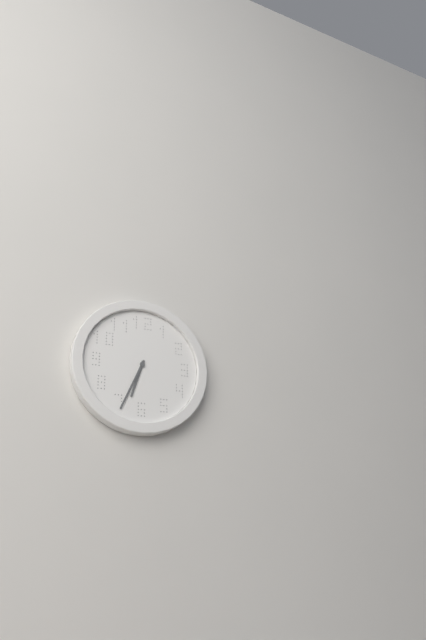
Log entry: 6 h 34 min
